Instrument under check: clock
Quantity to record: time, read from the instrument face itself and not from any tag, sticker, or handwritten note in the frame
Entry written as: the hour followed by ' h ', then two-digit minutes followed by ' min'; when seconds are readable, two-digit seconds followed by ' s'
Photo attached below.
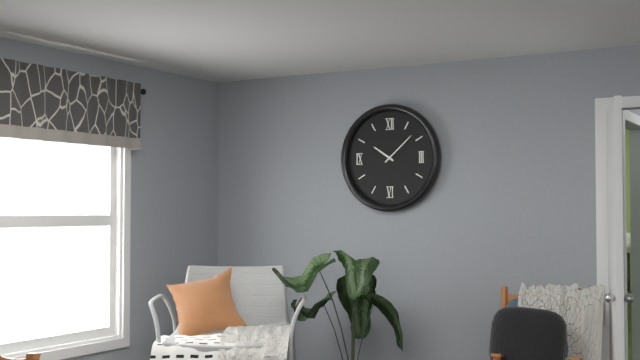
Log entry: 10 h 08 min
